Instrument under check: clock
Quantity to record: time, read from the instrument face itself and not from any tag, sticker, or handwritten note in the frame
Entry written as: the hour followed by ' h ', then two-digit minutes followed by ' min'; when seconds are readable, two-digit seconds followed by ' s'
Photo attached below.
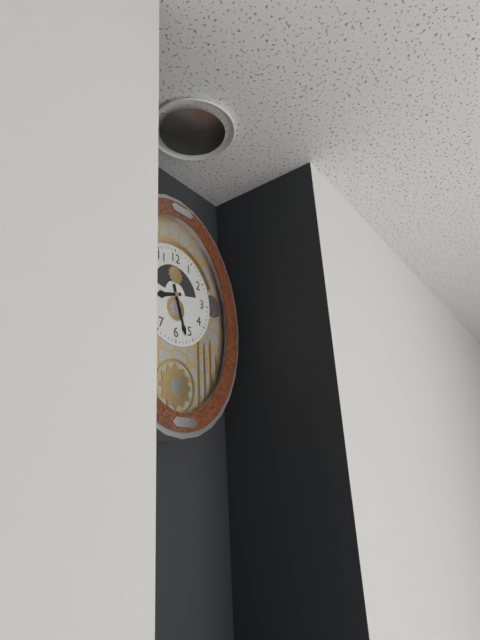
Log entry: 8 h 27 min
